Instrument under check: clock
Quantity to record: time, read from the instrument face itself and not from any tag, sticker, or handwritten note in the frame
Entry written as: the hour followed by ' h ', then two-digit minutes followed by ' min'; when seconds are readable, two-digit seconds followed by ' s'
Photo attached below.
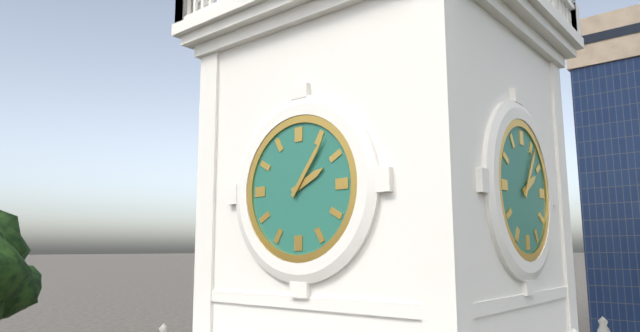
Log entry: 2 h 06 min
